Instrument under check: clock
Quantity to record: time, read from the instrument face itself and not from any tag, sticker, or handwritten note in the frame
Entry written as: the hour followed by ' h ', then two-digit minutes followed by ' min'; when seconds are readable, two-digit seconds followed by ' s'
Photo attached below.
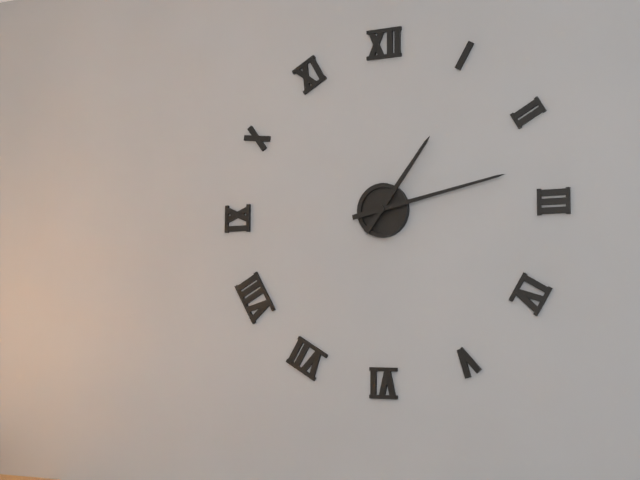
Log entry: 1 h 13 min
